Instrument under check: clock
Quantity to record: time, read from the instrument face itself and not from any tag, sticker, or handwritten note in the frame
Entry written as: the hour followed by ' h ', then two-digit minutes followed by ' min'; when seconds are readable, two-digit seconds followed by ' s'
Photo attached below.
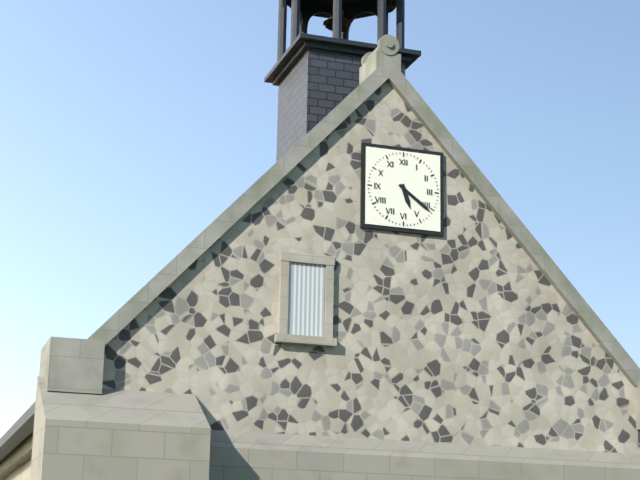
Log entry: 5 h 21 min
